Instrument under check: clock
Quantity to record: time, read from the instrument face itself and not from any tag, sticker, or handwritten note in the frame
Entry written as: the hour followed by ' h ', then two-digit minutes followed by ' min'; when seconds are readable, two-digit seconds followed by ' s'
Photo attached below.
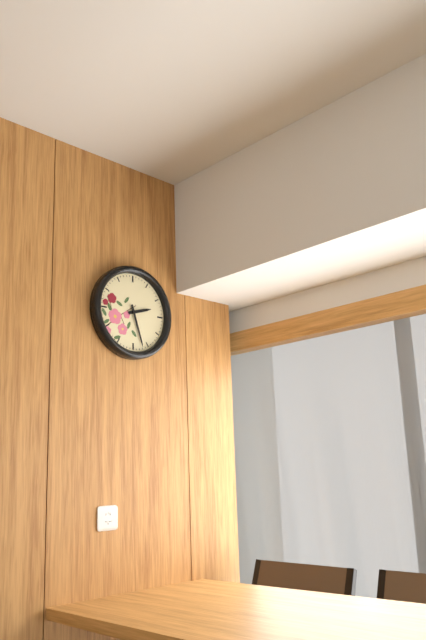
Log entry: 2 h 27 min
